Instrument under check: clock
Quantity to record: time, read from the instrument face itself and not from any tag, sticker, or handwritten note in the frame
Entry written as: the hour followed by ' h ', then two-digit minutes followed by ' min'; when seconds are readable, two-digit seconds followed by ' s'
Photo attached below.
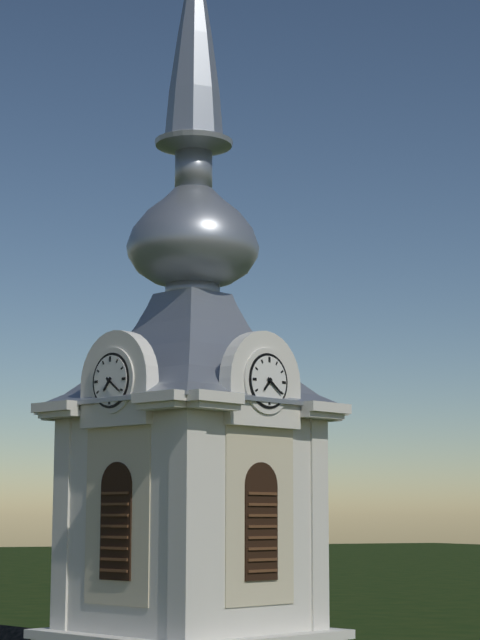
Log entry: 7 h 21 min
